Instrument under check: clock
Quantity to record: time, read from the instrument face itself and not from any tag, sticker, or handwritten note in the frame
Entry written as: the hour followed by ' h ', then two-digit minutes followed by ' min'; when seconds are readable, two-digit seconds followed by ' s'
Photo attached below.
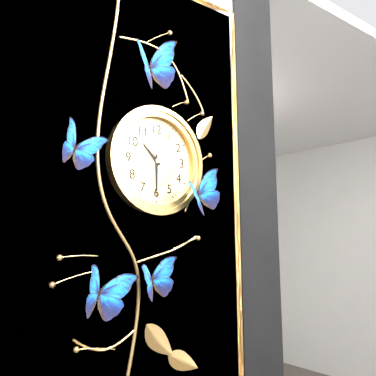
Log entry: 10 h 30 min
